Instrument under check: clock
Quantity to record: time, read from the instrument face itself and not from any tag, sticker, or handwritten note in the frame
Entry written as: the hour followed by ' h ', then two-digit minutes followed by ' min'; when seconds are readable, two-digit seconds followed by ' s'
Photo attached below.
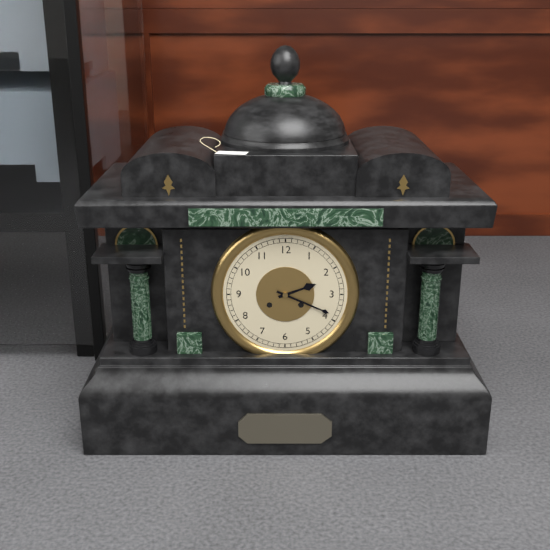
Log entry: 2 h 19 min
